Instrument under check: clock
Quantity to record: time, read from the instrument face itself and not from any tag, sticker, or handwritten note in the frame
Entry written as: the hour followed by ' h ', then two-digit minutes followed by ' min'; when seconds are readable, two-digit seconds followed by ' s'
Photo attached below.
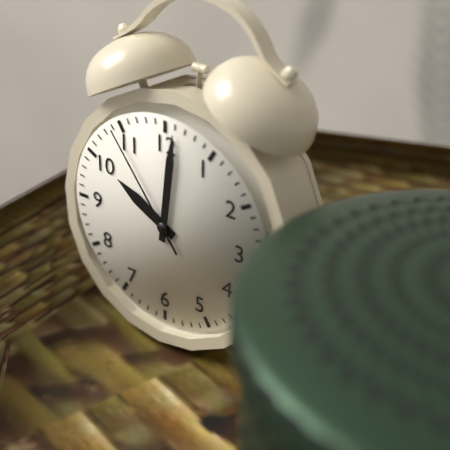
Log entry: 10 h 01 min 54 s
